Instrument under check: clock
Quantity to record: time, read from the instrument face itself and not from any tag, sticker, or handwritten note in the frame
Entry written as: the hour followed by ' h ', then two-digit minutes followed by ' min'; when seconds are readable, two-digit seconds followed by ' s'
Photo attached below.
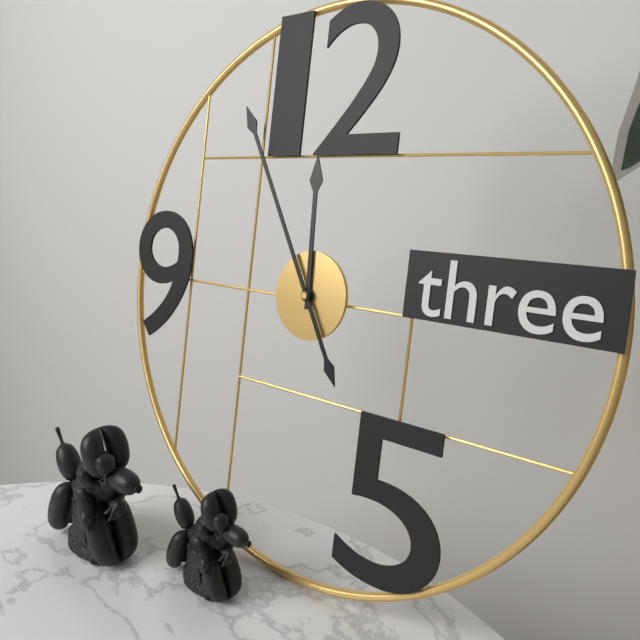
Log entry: 11 h 55 min
